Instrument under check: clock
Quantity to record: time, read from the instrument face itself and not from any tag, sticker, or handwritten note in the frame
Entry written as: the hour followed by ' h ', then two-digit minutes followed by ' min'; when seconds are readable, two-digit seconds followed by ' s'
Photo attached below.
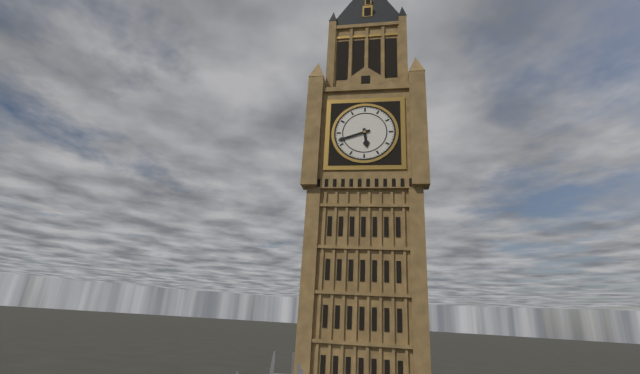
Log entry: 5 h 42 min
